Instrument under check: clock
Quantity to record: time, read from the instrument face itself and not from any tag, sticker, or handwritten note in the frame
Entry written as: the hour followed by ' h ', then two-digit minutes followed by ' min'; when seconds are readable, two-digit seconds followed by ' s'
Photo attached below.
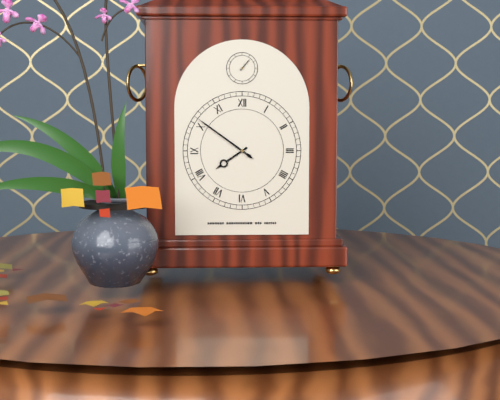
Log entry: 7 h 51 min
